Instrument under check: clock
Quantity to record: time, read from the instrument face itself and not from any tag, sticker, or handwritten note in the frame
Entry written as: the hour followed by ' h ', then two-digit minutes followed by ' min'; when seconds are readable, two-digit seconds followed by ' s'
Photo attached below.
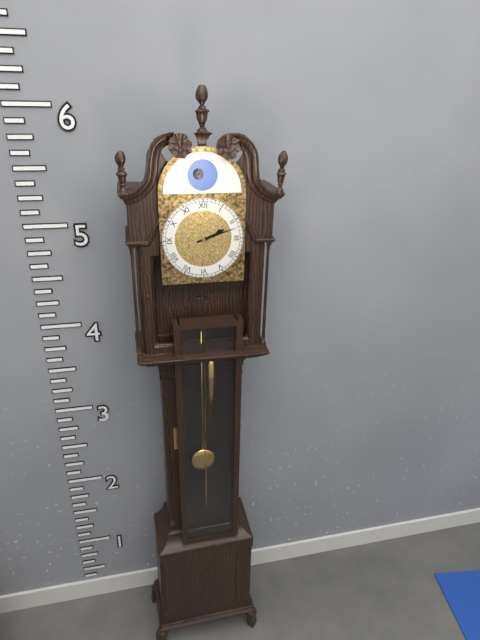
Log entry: 2 h 12 min
